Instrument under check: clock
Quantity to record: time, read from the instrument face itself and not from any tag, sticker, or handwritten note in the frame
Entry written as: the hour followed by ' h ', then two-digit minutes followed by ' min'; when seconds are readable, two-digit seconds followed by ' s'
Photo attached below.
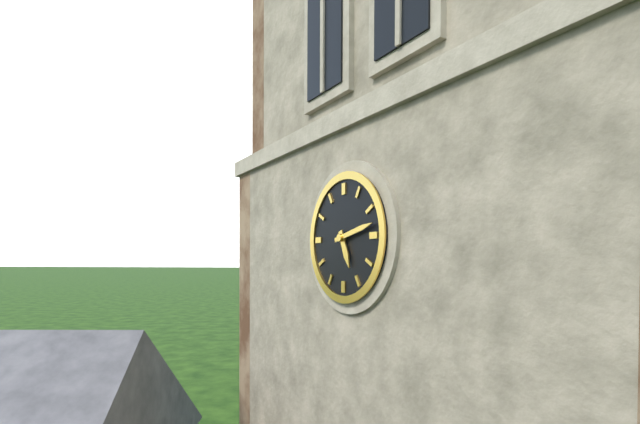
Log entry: 5 h 13 min
